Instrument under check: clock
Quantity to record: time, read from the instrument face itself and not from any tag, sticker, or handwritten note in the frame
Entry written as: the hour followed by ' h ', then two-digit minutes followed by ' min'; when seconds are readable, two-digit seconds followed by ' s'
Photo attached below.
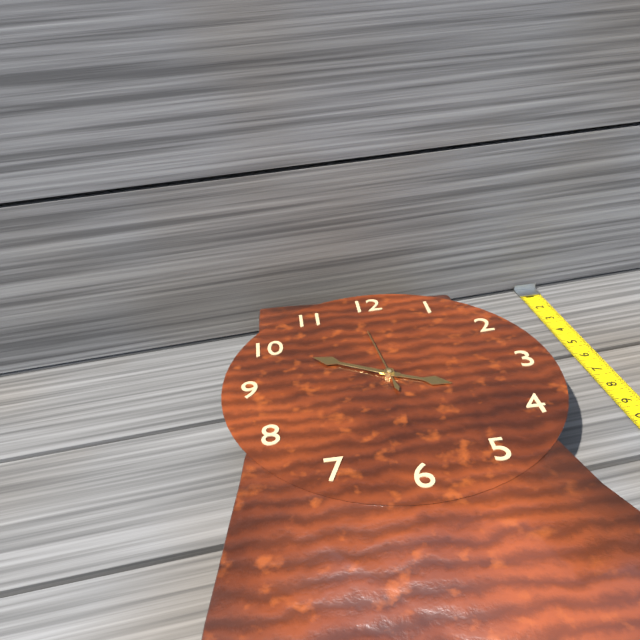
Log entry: 3 h 50 min 59 s
